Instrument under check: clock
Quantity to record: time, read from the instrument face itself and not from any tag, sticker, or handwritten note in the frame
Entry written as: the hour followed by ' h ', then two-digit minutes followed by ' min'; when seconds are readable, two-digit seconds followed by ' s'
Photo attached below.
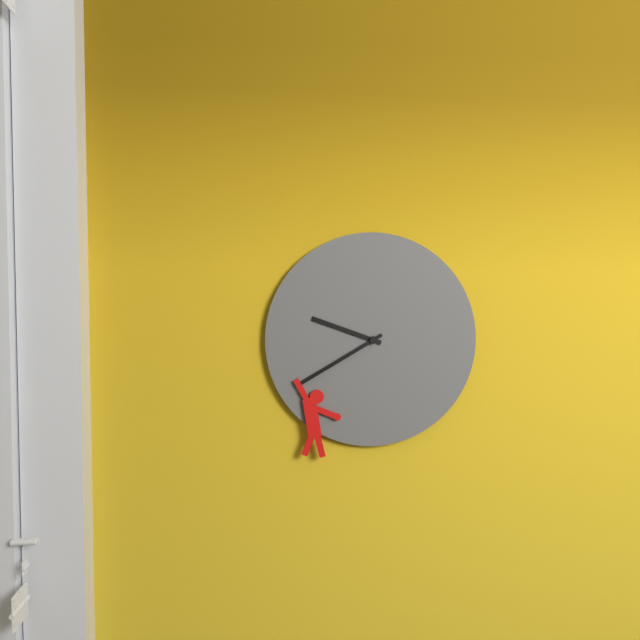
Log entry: 9 h 40 min
